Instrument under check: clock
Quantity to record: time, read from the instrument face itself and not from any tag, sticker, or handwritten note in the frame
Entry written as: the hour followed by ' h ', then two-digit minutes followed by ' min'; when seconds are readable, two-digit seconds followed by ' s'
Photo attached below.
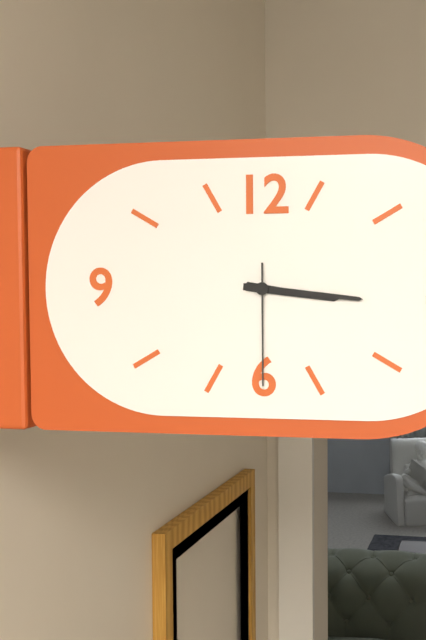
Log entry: 3 h 16 min 30 s
